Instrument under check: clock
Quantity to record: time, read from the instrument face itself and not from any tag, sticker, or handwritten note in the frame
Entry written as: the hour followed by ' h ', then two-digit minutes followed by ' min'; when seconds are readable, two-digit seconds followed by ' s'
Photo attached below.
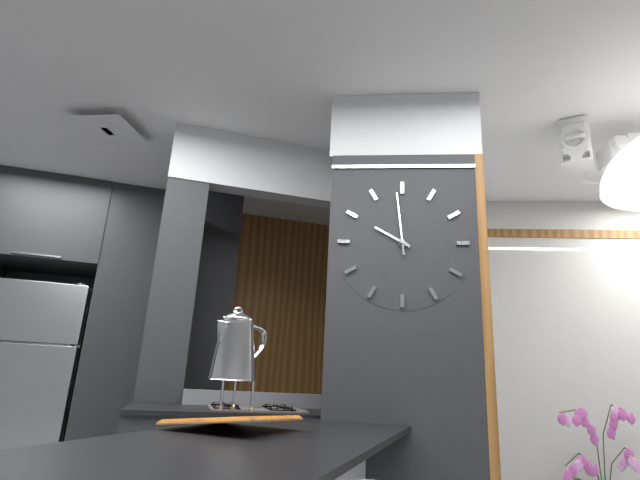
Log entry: 9 h 59 min
